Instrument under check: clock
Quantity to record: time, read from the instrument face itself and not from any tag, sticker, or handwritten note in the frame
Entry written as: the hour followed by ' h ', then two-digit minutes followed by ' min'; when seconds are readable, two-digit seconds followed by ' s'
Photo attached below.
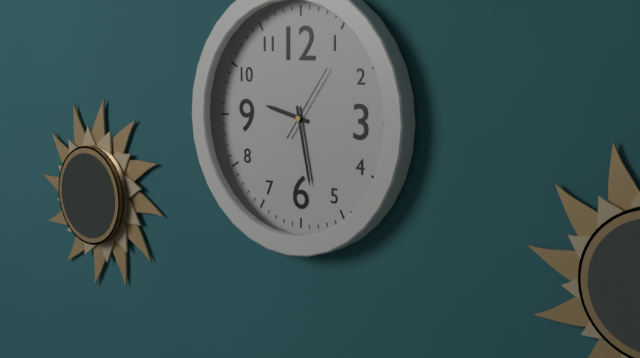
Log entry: 9 h 28 min 06 s
